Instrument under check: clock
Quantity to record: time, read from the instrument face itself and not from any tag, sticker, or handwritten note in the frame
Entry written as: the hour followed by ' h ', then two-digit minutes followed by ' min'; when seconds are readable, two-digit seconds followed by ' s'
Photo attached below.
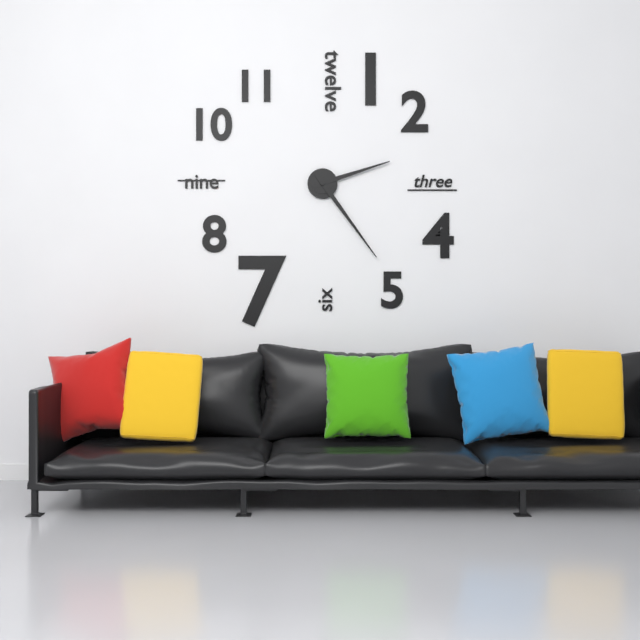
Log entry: 2 h 24 min
